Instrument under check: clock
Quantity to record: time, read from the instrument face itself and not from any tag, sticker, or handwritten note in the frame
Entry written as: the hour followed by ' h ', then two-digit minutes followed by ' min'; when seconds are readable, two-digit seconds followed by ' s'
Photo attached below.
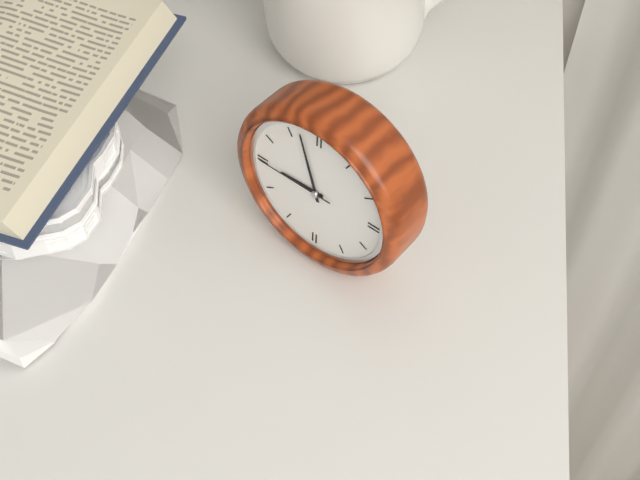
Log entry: 8 h 57 min 45 s
